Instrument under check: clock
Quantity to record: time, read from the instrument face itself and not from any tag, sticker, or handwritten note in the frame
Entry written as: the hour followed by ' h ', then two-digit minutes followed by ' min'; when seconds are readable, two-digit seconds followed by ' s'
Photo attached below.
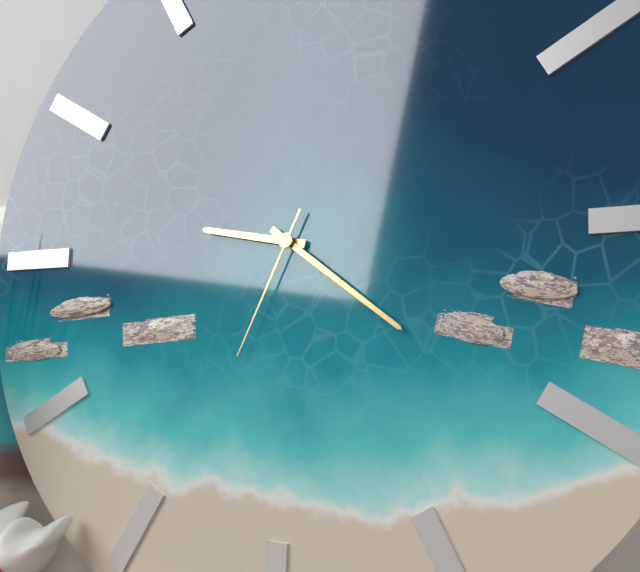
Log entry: 9 h 21 min 34 s
